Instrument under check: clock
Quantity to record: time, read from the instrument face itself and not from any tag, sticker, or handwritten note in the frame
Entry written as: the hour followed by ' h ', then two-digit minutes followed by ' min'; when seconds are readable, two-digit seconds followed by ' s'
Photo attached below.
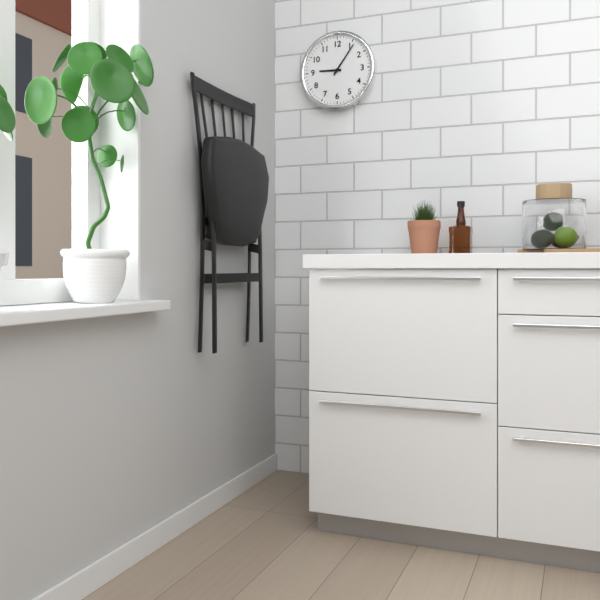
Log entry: 9 h 06 min
